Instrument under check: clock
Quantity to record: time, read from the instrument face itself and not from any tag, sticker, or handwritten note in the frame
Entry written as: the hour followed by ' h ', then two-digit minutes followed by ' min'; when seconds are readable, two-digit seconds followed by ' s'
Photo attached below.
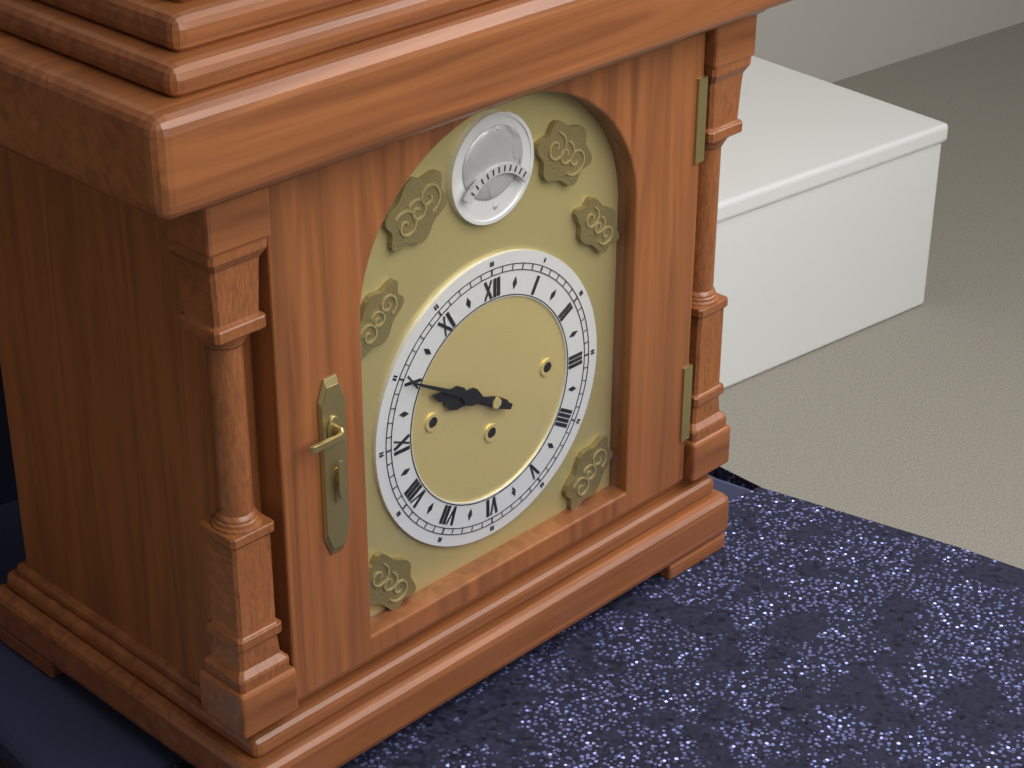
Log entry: 9 h 50 min
